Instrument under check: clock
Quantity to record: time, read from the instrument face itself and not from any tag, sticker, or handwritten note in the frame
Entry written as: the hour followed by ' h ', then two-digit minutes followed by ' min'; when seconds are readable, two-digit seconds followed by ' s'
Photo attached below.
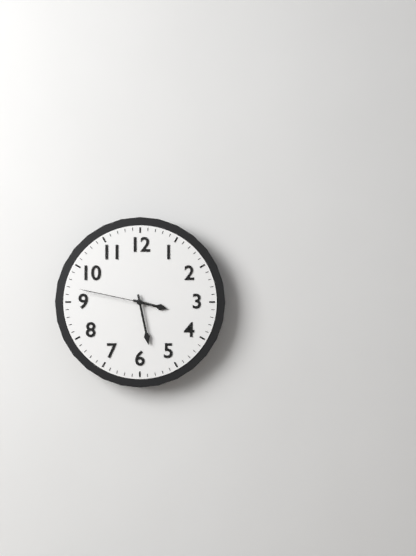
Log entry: 3 h 28 min 47 s
